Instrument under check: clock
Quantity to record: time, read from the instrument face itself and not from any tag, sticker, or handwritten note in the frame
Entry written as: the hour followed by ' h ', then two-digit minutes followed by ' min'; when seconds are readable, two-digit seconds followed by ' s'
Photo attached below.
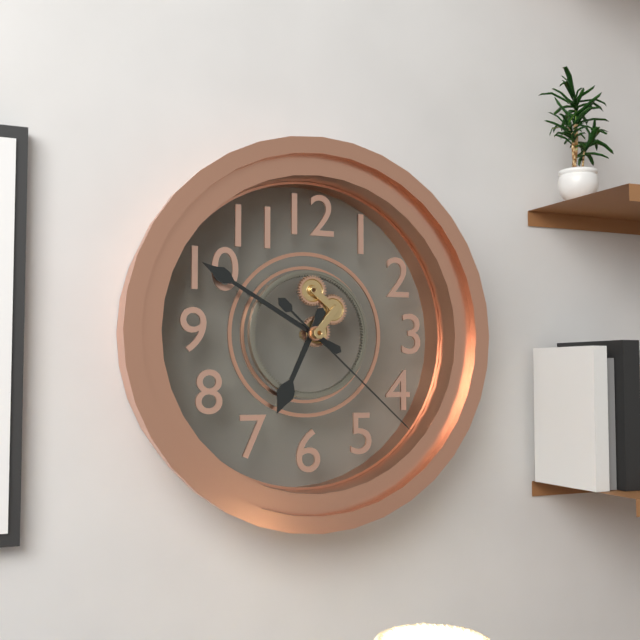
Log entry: 6 h 50 min 22 s
